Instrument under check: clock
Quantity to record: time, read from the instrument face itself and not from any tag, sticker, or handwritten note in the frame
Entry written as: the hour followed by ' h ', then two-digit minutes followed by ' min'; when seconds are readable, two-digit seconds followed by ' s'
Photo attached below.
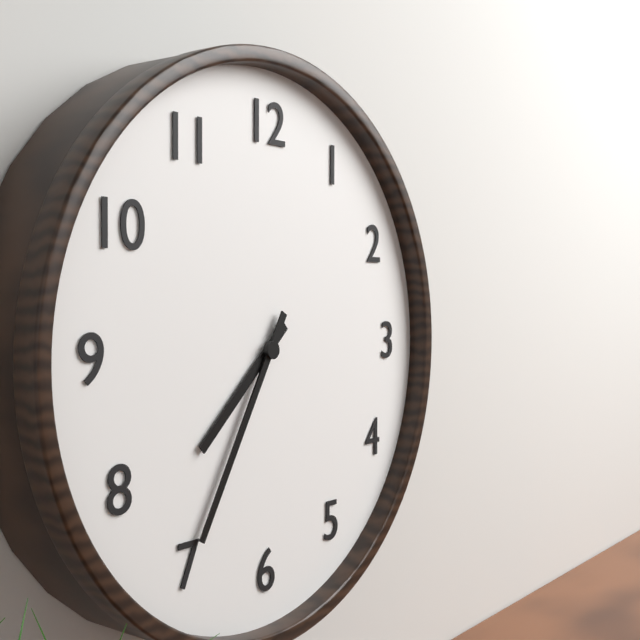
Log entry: 7 h 35 min
